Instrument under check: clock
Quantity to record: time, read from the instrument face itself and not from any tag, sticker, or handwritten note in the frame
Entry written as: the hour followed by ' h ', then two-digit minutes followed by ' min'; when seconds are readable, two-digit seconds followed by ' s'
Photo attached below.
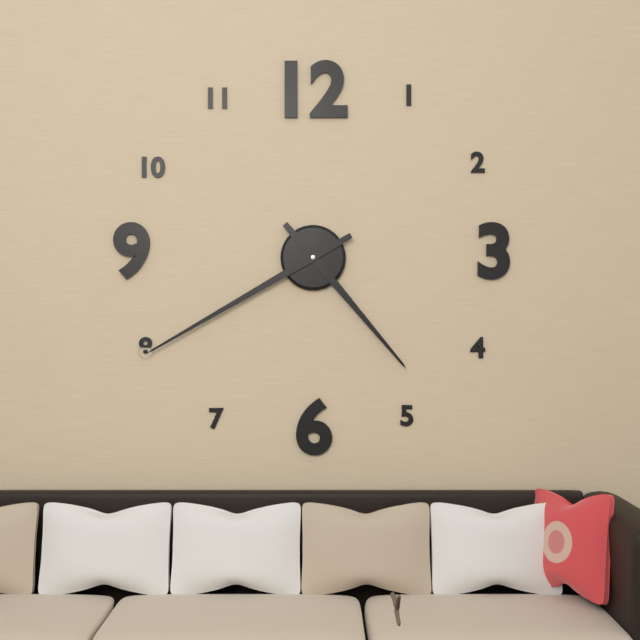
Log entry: 4 h 40 min
